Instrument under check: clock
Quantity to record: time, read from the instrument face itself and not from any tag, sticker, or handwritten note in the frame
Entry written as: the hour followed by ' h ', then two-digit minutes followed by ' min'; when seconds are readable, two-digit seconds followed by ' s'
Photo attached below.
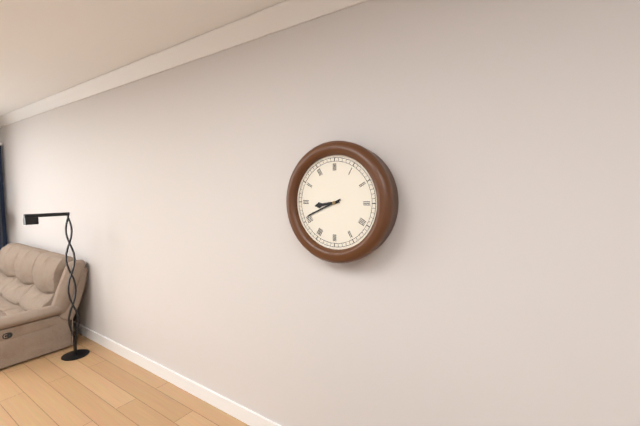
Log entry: 8 h 41 min
